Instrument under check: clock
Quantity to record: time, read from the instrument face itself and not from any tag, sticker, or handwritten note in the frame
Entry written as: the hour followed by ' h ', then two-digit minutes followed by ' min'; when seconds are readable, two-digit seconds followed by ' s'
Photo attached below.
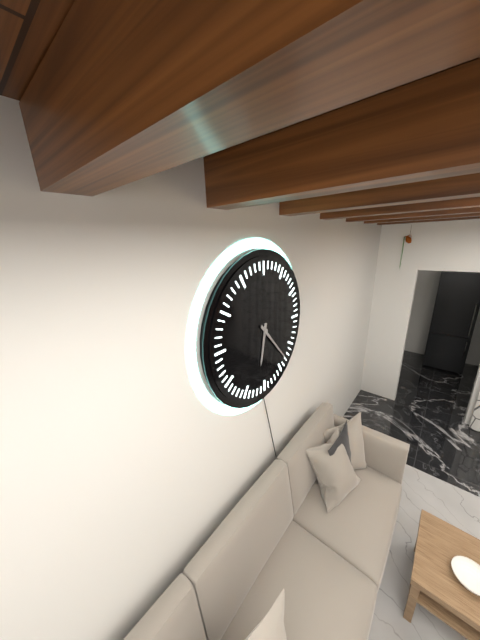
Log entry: 6 h 23 min
